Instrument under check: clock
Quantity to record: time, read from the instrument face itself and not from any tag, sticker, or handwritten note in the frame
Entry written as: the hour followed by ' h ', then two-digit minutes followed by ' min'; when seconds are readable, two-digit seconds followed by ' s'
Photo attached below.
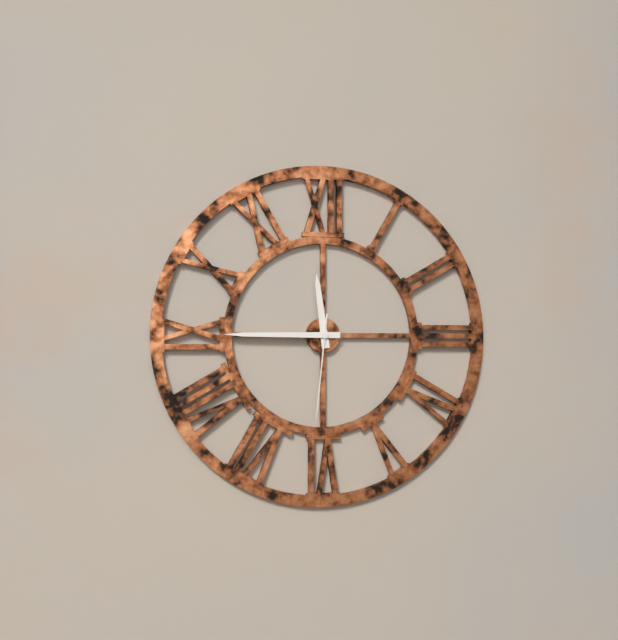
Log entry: 11 h 45 min 31 s
